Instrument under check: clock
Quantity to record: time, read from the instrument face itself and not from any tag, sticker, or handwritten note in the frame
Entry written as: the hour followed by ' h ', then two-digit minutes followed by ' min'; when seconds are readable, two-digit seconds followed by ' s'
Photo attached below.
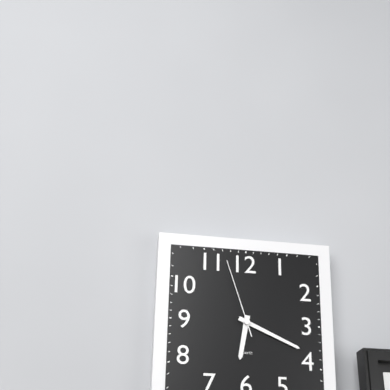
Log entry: 6 h 19 min 57 s
